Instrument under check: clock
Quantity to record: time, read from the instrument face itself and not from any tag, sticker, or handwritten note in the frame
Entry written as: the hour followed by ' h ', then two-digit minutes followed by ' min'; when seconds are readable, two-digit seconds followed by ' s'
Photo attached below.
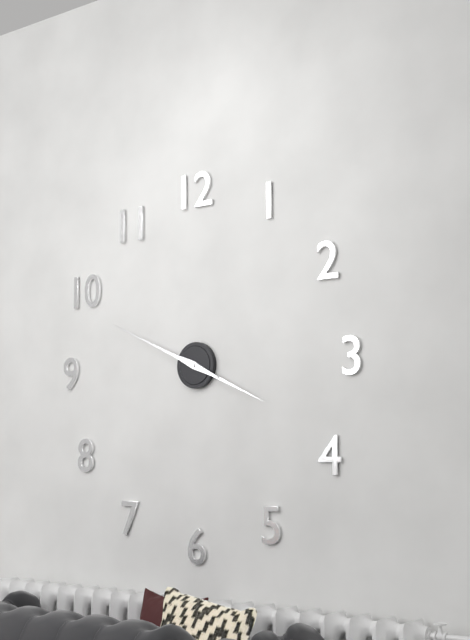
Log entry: 3 h 49 min
